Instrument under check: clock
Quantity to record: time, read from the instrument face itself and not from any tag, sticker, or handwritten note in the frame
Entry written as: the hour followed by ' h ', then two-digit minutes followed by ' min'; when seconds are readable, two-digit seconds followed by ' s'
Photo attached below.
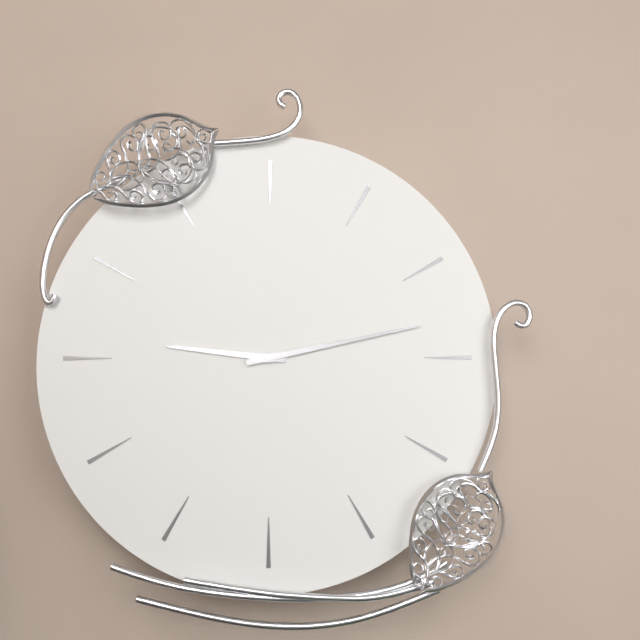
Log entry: 9 h 13 min
